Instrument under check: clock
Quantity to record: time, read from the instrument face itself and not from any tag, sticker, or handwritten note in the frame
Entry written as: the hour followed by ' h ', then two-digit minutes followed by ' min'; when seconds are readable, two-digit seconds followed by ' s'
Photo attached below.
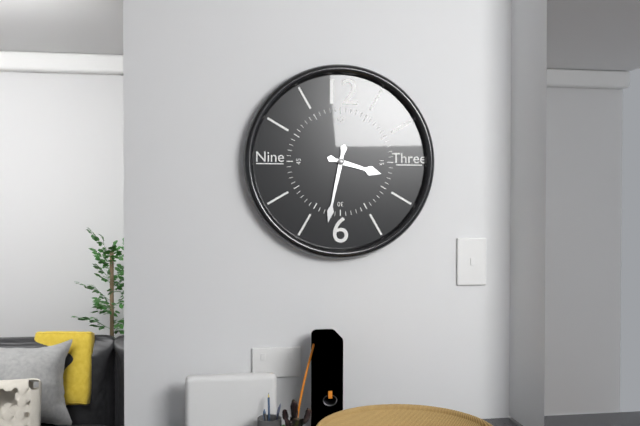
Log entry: 3 h 32 min
